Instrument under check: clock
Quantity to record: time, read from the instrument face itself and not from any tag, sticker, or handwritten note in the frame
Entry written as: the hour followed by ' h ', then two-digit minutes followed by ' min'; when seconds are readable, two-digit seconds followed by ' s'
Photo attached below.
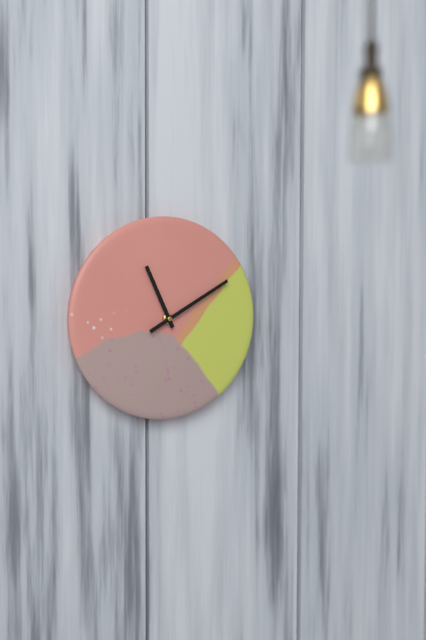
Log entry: 11 h 10 min
